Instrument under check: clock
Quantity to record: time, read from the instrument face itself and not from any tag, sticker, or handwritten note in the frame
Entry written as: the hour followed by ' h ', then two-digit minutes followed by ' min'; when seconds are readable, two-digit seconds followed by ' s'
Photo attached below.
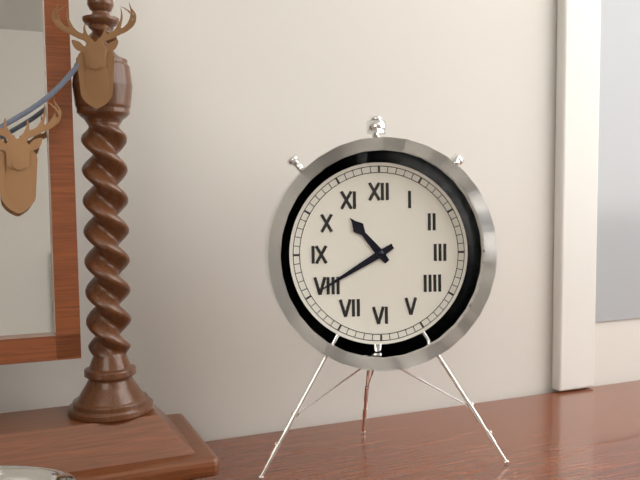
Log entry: 10 h 40 min
